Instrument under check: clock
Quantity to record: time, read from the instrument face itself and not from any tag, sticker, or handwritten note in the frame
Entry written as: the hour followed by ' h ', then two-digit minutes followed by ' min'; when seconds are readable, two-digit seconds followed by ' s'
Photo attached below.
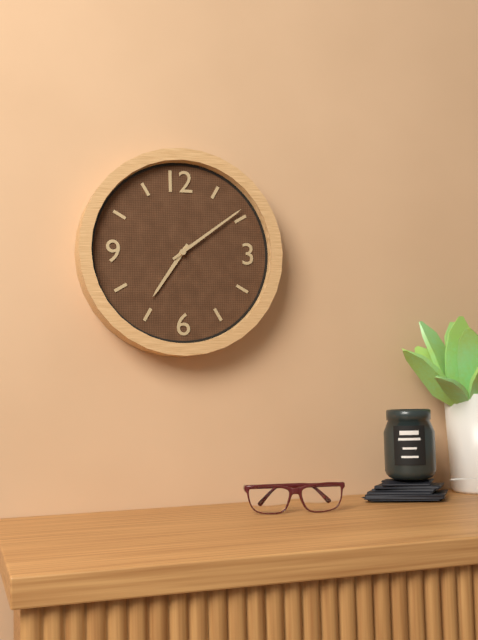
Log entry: 7 h 09 min
